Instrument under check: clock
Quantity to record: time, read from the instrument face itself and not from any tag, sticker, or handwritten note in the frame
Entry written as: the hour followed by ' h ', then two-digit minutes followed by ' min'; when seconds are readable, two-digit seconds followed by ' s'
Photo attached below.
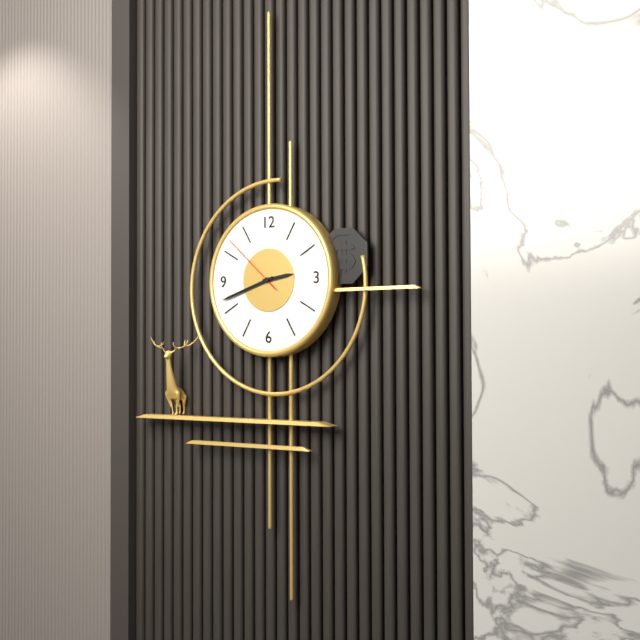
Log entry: 2 h 42 min 52 s
